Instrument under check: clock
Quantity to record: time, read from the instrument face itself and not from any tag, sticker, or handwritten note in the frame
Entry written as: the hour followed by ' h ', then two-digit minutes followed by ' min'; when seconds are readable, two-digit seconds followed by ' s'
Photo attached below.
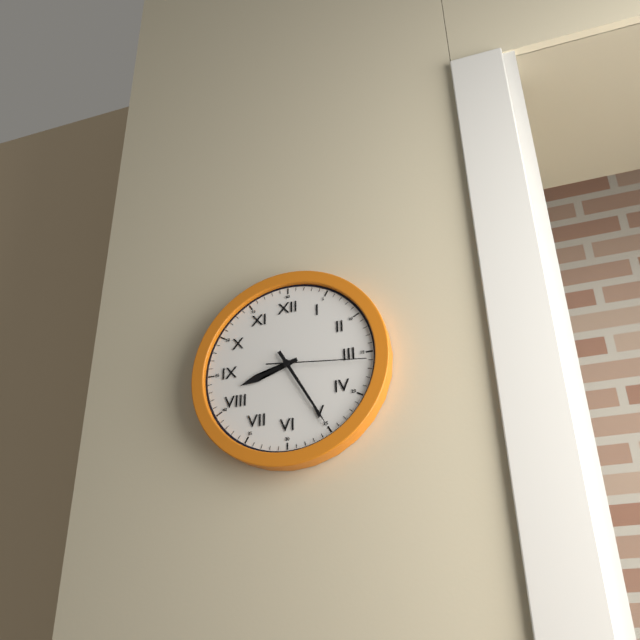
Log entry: 8 h 25 min 16 s
